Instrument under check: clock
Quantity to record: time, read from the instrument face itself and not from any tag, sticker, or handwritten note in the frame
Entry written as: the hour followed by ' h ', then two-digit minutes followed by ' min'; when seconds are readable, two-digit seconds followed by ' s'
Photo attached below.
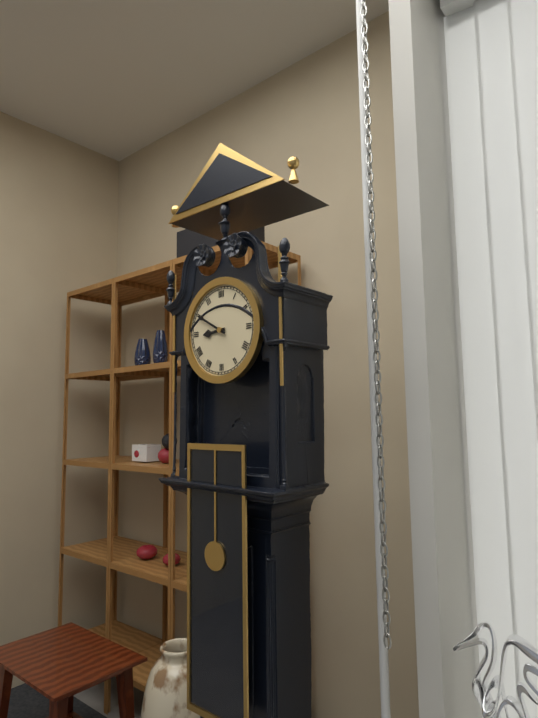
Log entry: 8 h 50 min
